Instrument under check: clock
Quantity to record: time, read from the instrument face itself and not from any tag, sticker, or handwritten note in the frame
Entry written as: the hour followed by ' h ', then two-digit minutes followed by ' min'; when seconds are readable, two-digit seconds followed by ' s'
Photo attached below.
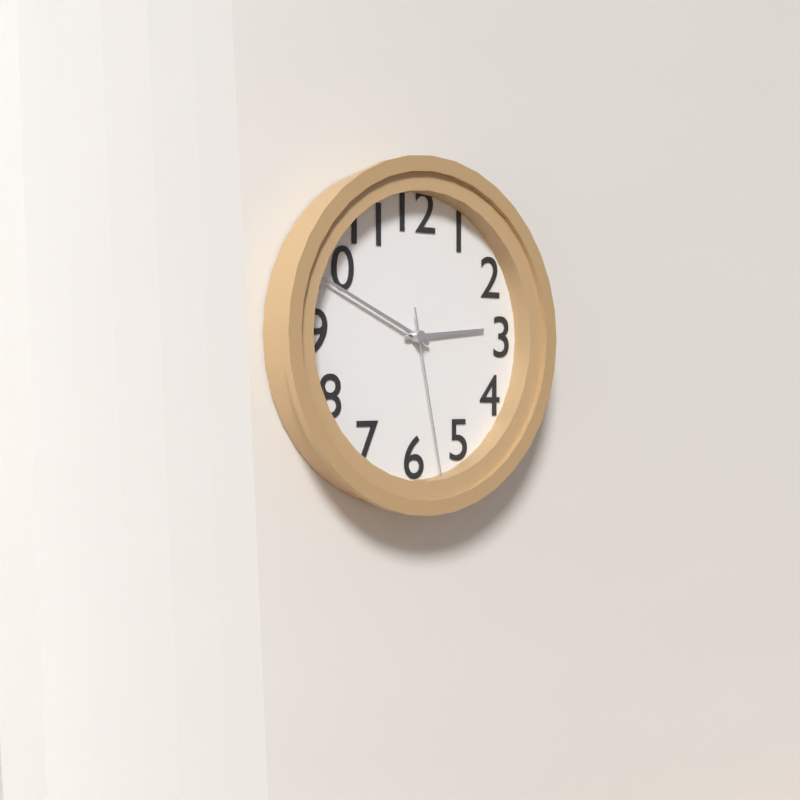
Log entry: 2 h 49 min 28 s
